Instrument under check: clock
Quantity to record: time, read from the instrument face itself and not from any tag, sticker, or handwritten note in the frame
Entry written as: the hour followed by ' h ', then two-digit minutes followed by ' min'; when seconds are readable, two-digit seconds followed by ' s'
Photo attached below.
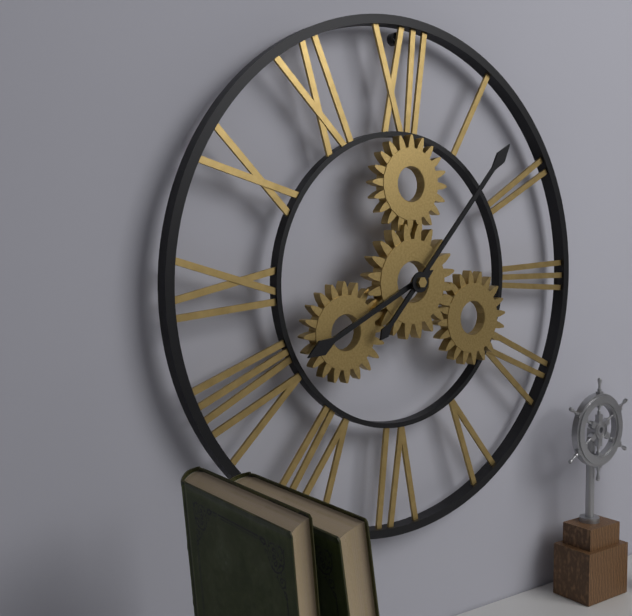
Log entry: 8 h 07 min
